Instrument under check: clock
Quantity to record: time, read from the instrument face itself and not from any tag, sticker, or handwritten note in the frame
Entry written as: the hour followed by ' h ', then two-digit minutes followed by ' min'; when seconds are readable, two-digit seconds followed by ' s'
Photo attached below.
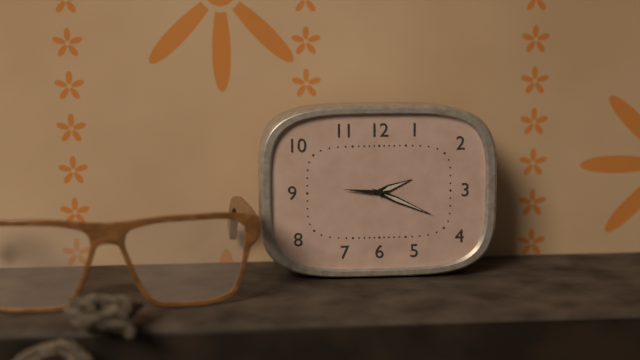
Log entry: 2 h 19 min
